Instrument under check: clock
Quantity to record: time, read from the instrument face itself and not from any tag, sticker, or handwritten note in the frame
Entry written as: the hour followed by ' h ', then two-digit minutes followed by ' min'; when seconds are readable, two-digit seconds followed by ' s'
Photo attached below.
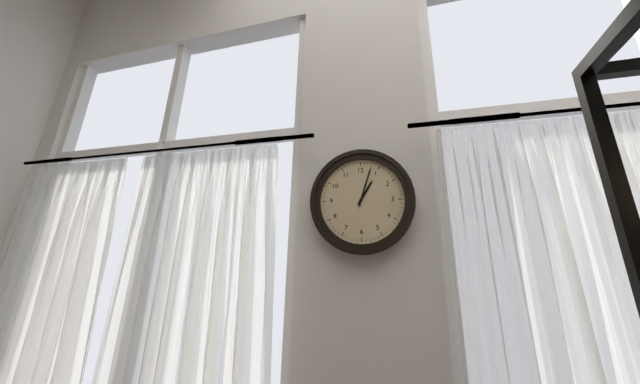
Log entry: 1 h 03 min
